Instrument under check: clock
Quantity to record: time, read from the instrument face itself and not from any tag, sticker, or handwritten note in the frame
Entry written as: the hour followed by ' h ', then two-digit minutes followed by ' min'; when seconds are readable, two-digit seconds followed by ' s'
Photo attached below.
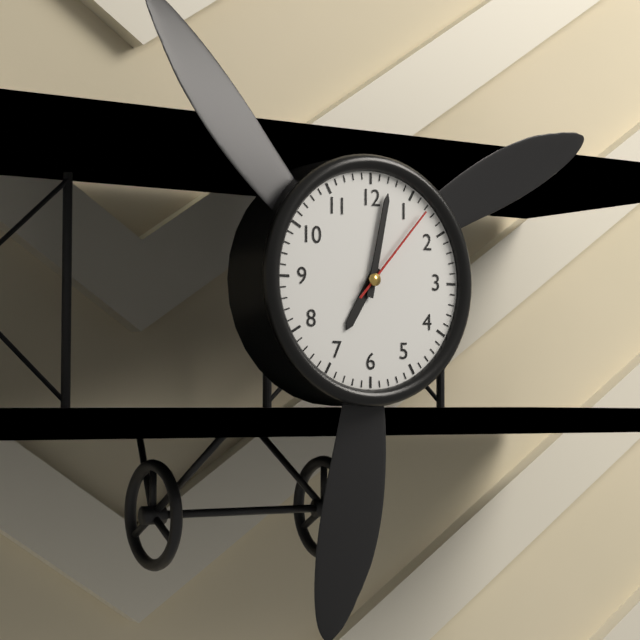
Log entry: 7 h 02 min 07 s
